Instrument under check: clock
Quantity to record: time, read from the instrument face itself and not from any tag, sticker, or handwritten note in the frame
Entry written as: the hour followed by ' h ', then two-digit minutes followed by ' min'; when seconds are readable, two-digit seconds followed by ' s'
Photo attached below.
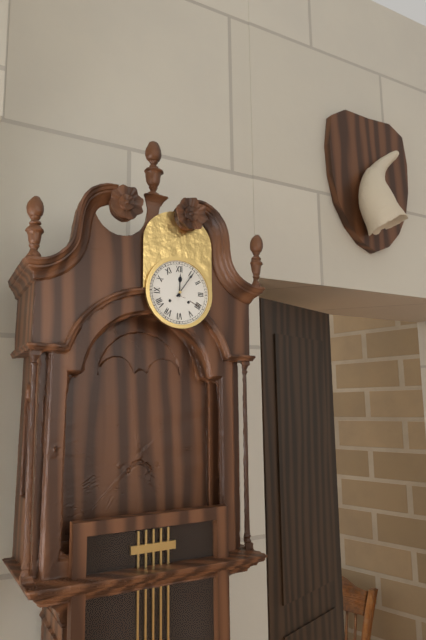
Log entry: 12 h 06 min
